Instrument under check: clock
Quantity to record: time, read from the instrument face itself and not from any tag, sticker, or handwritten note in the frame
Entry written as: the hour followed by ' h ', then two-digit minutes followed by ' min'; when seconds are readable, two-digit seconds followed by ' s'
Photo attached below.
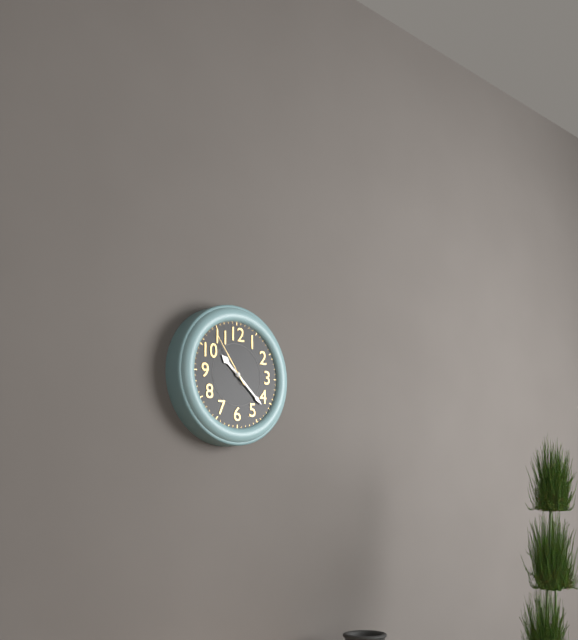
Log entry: 10 h 22 min 54 s
